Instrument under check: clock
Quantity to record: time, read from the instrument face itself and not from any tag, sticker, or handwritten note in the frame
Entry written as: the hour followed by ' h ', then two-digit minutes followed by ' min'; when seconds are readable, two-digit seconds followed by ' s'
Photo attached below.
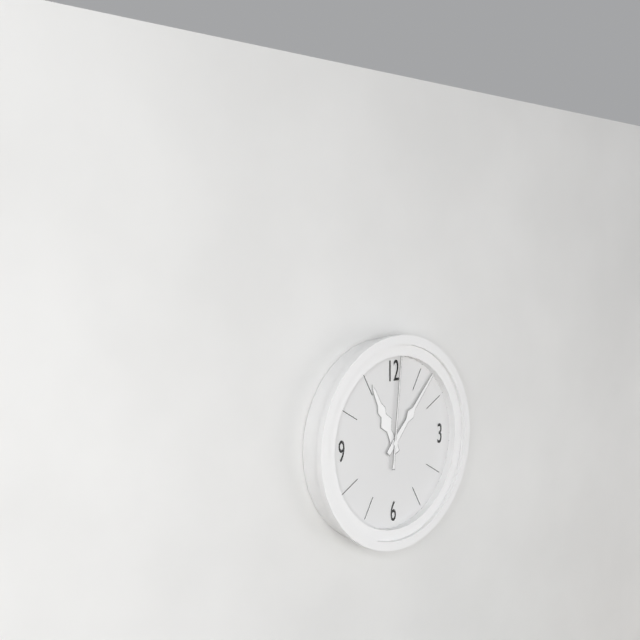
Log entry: 11 h 07 min 01 s
